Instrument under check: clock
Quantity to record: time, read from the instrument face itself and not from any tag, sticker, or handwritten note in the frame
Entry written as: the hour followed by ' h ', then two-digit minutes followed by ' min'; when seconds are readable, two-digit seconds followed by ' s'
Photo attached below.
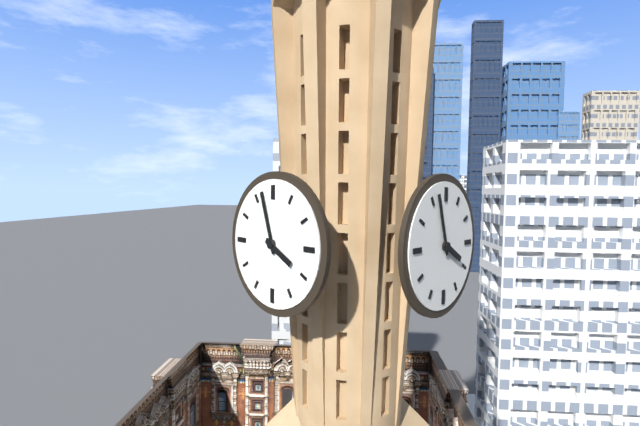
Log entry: 3 h 57 min
